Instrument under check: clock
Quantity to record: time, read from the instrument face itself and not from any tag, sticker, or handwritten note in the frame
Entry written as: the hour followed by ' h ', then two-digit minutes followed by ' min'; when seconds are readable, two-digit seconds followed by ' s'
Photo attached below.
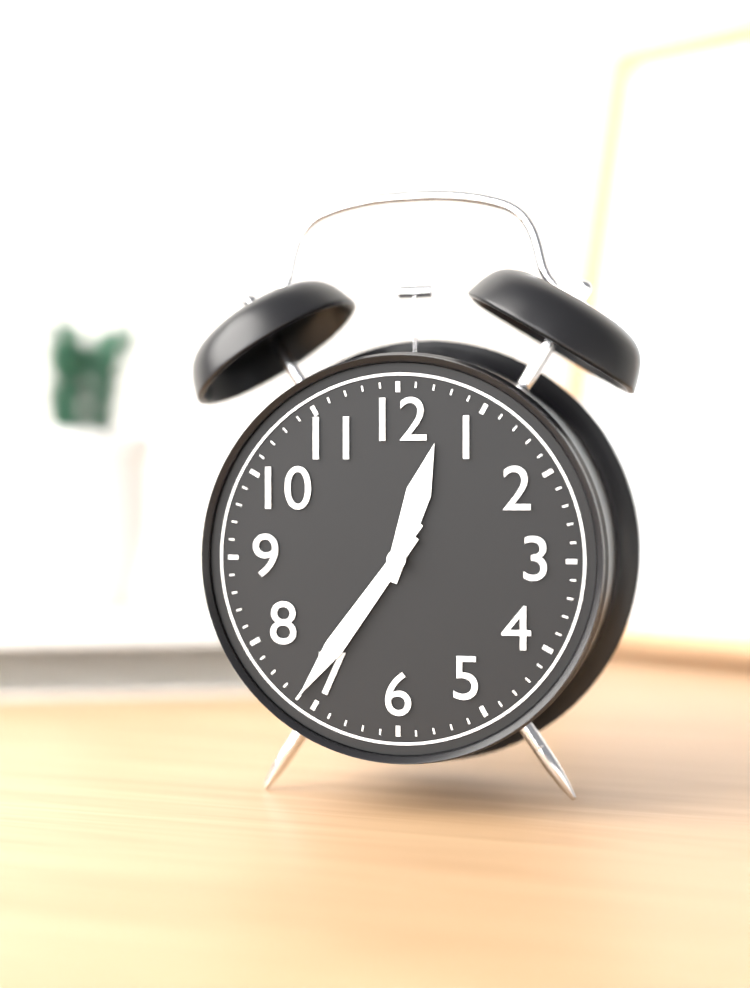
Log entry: 12 h 36 min 36 s
